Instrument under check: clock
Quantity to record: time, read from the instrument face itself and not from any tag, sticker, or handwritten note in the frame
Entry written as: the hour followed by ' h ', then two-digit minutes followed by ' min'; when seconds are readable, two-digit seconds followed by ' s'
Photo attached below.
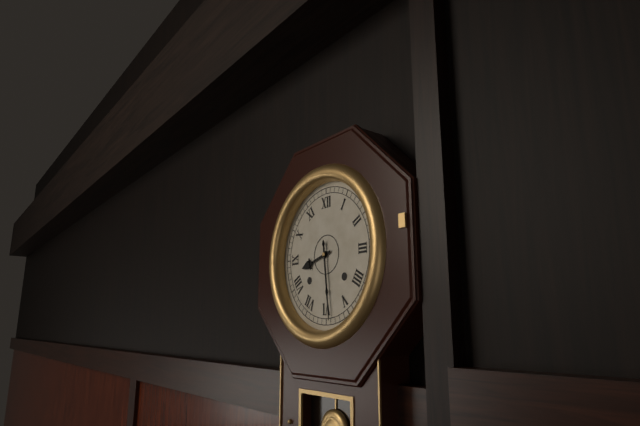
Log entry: 8 h 29 min
